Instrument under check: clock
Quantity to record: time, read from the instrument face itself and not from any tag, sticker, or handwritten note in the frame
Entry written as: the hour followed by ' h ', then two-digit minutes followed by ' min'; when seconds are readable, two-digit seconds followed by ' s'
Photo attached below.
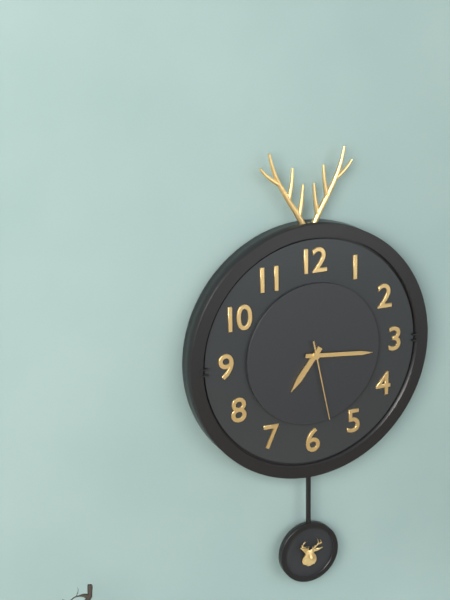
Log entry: 7 h 16 min 28 s
